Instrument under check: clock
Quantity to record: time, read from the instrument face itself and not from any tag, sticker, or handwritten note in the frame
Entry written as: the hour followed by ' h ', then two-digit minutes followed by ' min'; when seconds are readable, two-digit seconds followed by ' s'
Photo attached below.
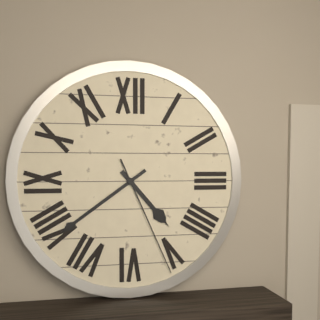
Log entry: 4 h 39 min 26 s
